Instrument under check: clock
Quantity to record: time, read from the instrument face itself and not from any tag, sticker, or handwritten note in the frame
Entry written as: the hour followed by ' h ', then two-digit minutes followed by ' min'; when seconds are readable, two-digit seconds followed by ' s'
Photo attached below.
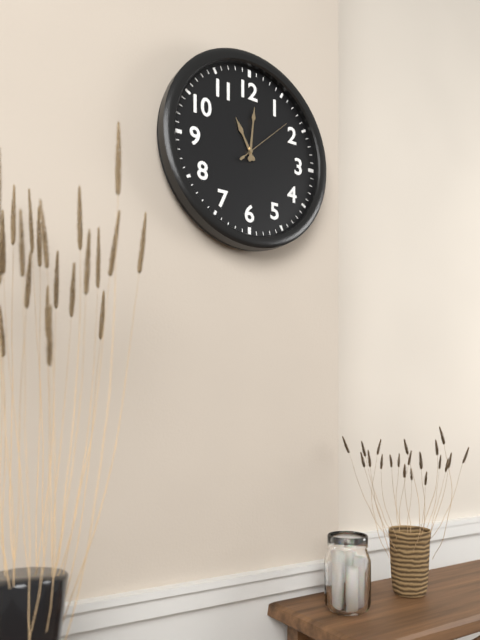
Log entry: 11 h 01 min 08 s
